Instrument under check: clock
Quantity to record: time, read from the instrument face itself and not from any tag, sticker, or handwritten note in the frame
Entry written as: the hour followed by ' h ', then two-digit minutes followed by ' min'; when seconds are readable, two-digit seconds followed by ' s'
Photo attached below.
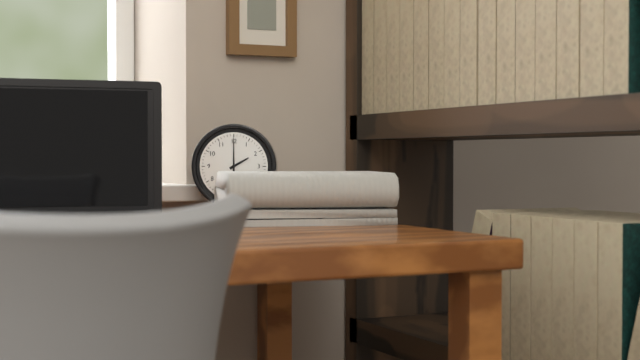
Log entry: 2 h 00 min
